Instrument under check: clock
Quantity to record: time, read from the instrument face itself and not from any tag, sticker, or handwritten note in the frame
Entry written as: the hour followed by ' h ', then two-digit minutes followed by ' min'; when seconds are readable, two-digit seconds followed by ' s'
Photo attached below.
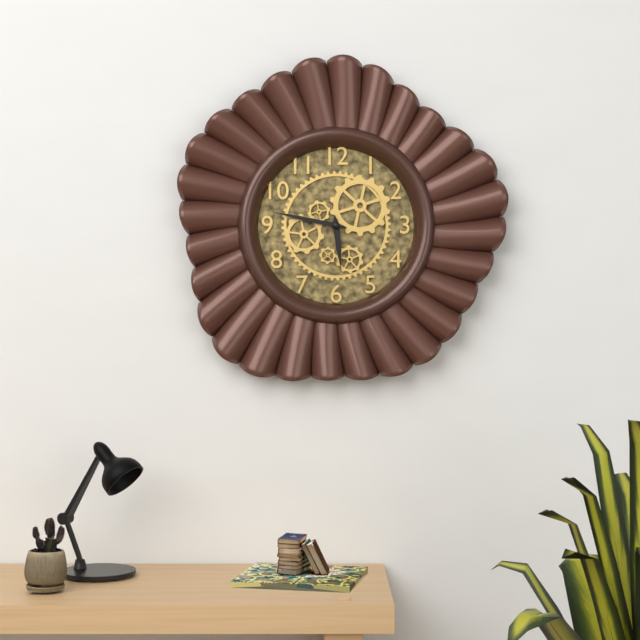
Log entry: 5 h 47 min
